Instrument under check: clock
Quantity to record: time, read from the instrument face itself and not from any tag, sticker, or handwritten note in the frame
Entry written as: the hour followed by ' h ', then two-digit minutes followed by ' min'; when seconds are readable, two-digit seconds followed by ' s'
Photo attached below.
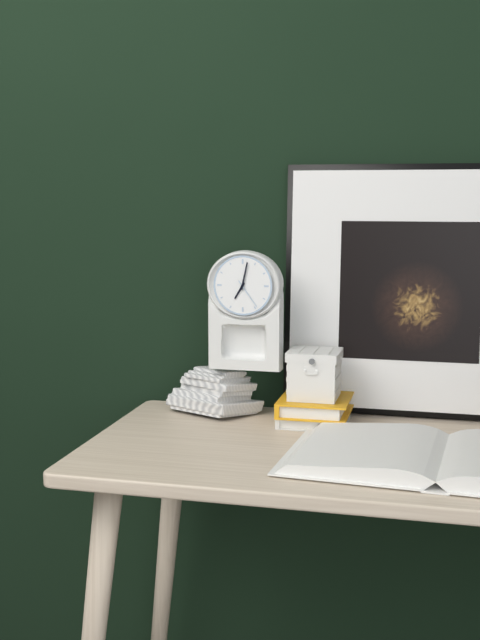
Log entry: 7 h 02 min
